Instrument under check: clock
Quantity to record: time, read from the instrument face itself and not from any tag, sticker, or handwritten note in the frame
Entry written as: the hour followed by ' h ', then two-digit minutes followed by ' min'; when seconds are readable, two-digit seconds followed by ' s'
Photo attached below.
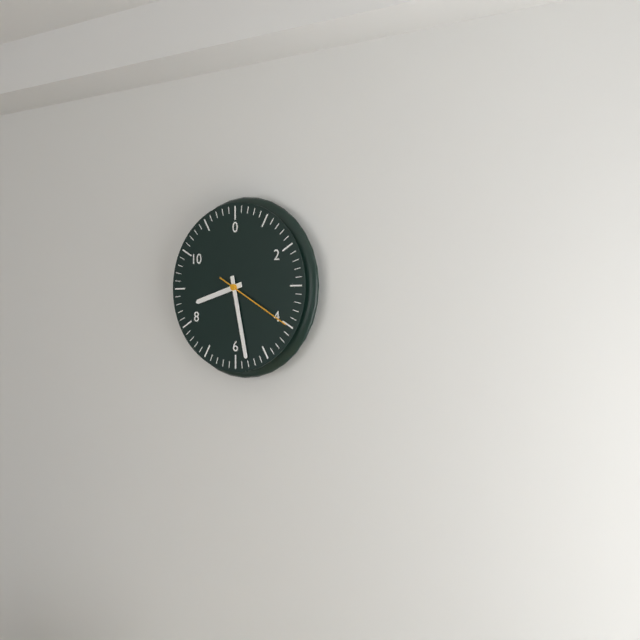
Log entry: 8 h 28 min 20 s
